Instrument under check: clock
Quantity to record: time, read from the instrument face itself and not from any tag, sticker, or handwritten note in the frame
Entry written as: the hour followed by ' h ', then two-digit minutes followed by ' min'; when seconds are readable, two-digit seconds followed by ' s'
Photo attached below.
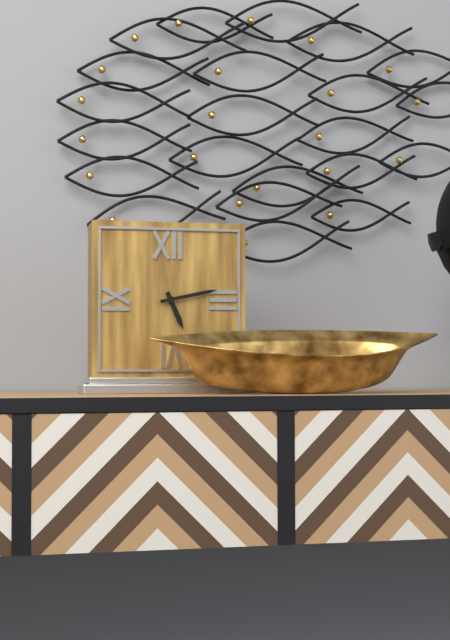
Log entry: 5 h 13 min
